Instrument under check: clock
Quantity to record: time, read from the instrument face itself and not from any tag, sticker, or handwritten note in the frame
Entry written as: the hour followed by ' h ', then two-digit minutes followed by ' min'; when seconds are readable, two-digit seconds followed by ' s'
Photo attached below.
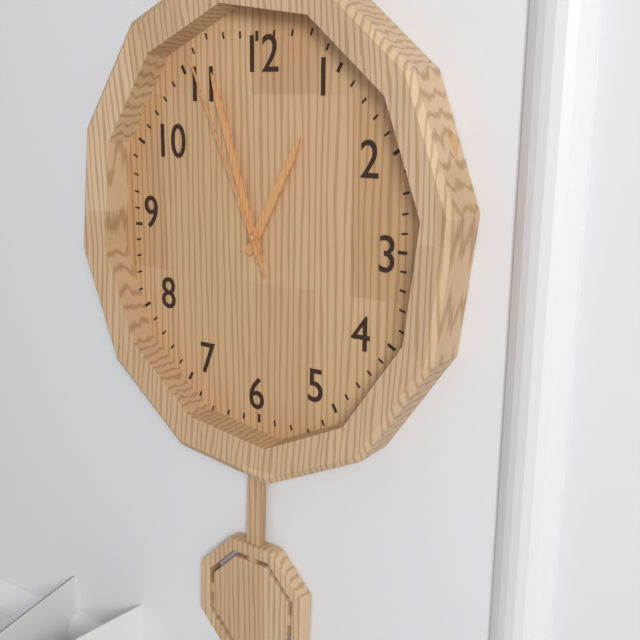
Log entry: 12 h 57 min 56 s
